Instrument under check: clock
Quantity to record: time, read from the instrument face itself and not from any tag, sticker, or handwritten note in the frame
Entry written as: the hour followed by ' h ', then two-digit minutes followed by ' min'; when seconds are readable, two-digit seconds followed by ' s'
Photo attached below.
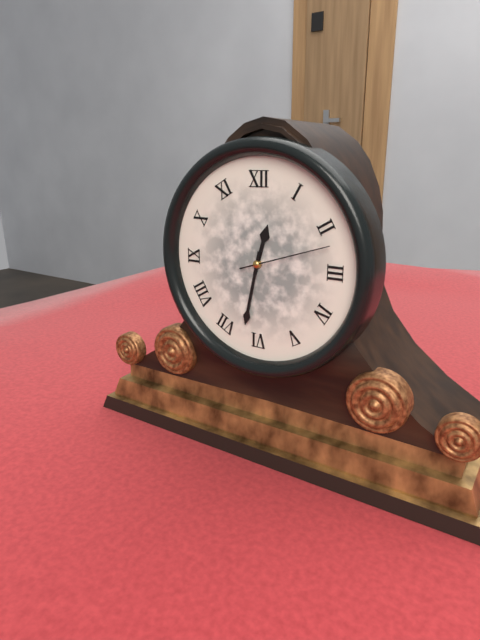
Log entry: 12 h 32 min 12 s
